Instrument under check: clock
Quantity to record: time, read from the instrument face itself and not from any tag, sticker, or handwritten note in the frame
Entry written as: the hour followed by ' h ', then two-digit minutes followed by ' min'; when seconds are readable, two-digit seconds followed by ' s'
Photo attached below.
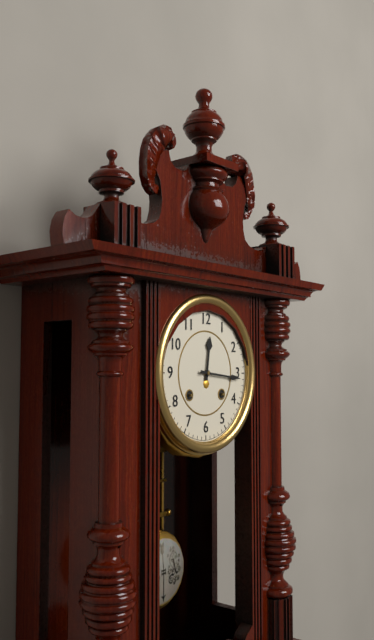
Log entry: 12 h 16 min
